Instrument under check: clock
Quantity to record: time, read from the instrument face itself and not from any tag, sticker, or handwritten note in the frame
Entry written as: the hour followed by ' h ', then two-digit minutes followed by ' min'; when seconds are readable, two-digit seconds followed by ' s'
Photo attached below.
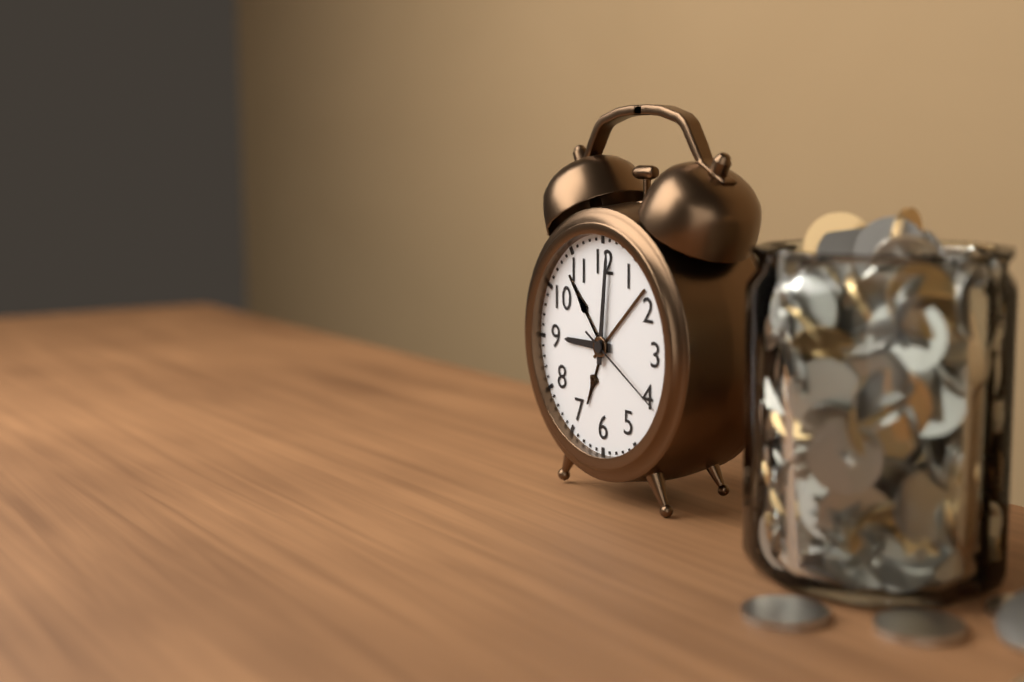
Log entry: 9 h 01 min 20 s
